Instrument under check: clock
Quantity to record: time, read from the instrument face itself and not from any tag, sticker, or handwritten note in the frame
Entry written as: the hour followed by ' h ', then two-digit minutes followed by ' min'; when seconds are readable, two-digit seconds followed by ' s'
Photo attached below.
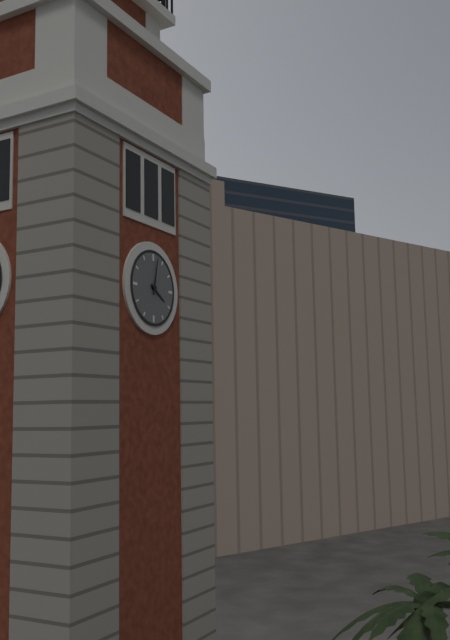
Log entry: 4 h 02 min
